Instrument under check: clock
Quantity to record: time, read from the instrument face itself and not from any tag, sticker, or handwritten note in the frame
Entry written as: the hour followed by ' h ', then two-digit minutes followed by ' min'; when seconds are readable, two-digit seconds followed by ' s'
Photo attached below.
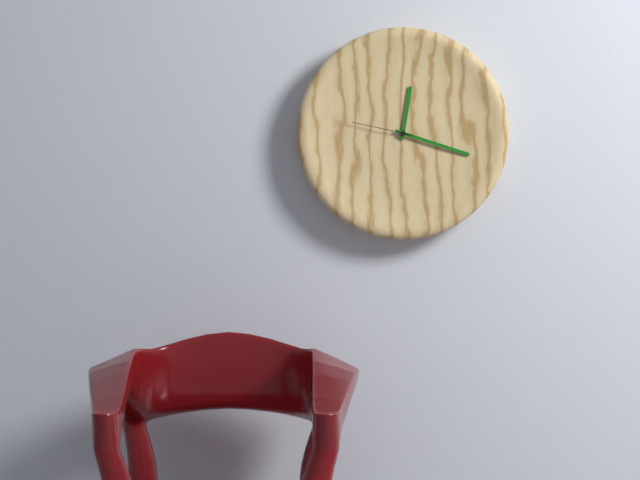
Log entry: 12 h 18 min 47 s
